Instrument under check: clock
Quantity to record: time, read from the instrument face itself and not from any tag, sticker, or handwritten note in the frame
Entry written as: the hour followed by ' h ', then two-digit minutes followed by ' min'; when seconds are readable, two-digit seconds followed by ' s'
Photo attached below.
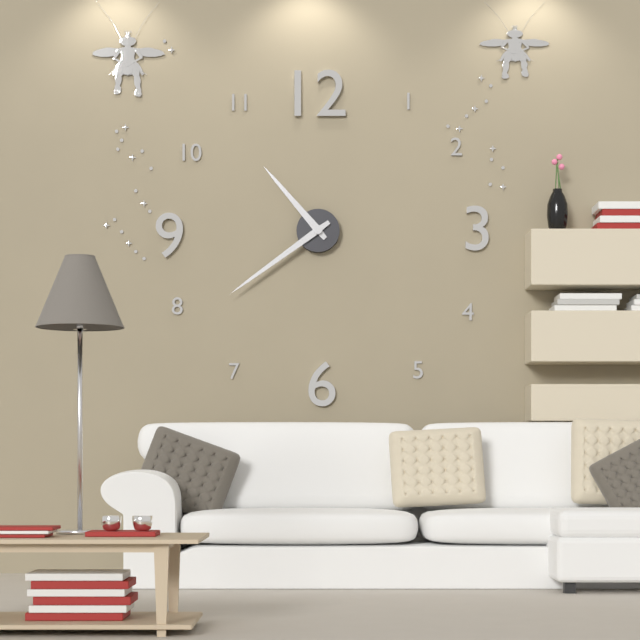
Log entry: 10 h 39 min
